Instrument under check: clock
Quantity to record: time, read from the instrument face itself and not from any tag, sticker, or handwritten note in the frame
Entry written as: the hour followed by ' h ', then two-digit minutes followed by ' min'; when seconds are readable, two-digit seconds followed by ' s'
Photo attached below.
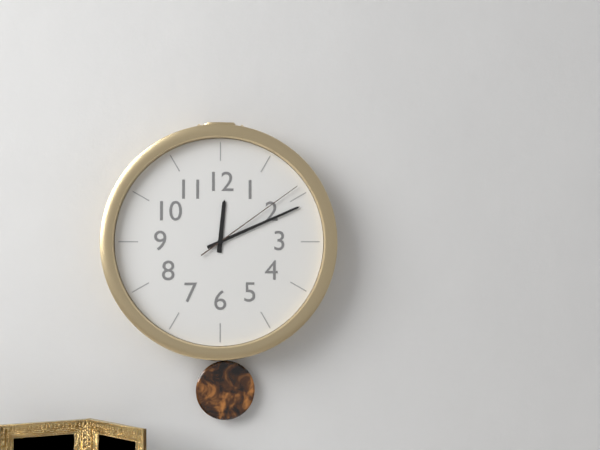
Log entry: 12 h 11 min 09 s
